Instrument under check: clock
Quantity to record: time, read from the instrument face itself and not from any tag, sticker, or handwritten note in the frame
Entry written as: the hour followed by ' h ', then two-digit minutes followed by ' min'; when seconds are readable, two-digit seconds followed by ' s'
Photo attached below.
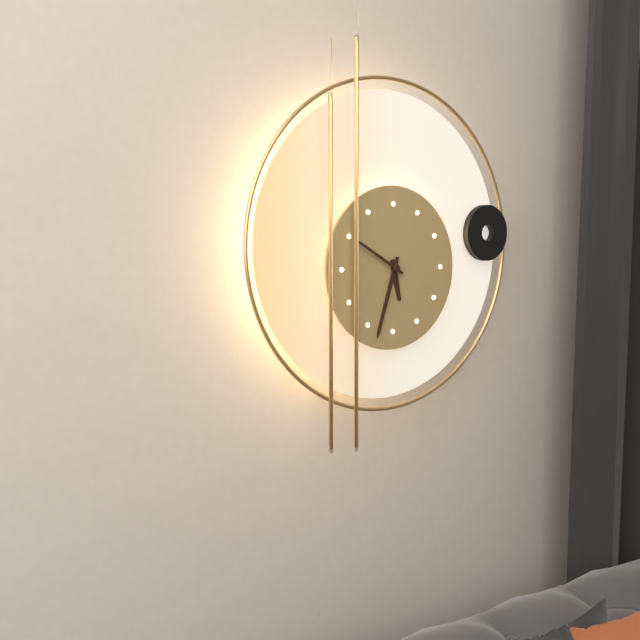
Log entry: 5 h 33 min 50 s
